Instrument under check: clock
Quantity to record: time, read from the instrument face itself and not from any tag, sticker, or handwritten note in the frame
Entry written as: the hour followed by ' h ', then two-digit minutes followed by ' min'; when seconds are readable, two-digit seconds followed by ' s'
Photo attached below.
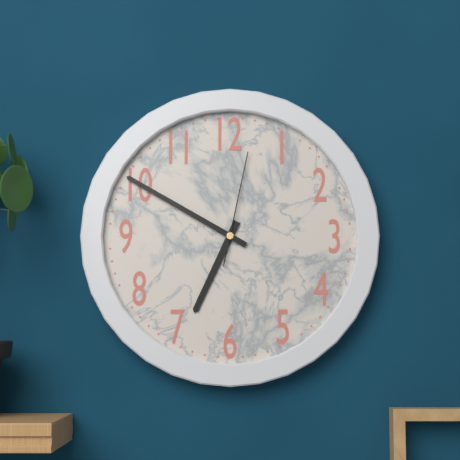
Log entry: 6 h 50 min 02 s
